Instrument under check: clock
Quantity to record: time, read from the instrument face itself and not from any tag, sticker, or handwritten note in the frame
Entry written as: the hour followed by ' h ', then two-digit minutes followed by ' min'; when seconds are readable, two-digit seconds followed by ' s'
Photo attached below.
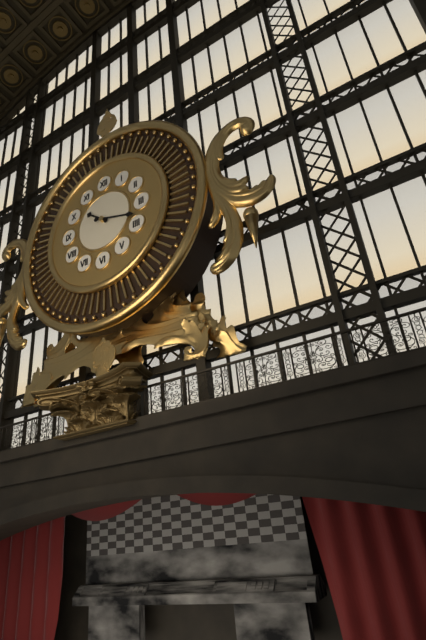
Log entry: 10 h 18 min
